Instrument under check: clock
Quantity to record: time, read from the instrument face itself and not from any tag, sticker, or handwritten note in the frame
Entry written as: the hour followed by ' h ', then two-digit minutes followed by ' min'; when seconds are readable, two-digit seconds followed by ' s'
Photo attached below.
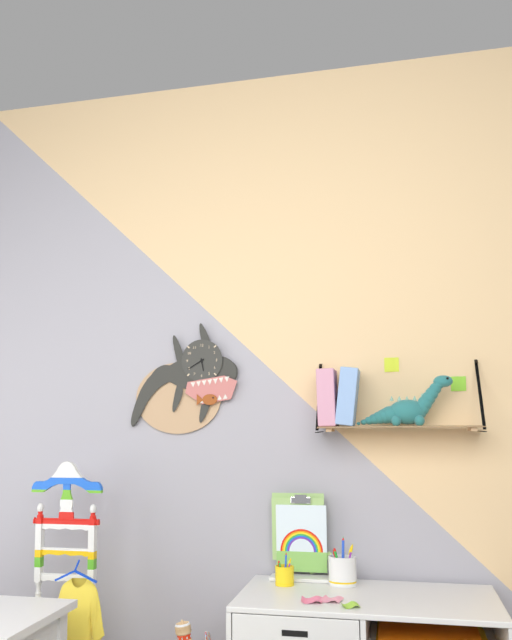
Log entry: 5 h 40 min
